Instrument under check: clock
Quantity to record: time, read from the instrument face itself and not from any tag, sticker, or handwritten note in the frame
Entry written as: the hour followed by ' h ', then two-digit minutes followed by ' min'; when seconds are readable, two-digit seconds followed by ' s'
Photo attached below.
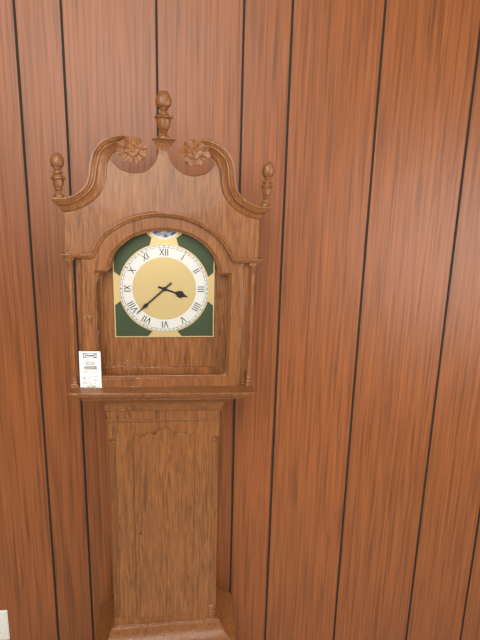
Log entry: 3 h 38 min
